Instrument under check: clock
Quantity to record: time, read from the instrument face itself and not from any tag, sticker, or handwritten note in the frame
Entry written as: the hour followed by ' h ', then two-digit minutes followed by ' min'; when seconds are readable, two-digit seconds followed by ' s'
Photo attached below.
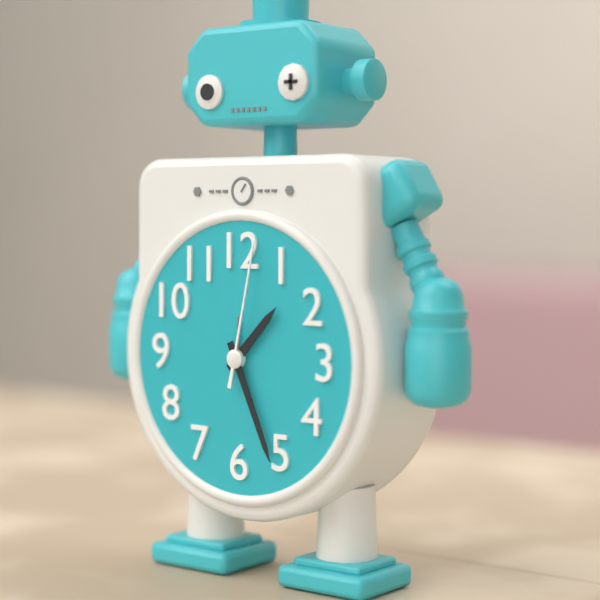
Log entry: 1 h 26 min 02 s
